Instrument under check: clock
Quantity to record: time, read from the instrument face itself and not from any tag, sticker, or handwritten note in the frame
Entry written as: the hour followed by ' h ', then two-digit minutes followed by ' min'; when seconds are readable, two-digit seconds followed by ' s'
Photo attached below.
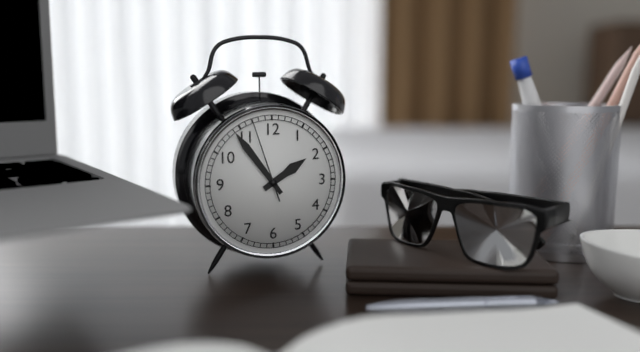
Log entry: 1 h 54 min 57 s
